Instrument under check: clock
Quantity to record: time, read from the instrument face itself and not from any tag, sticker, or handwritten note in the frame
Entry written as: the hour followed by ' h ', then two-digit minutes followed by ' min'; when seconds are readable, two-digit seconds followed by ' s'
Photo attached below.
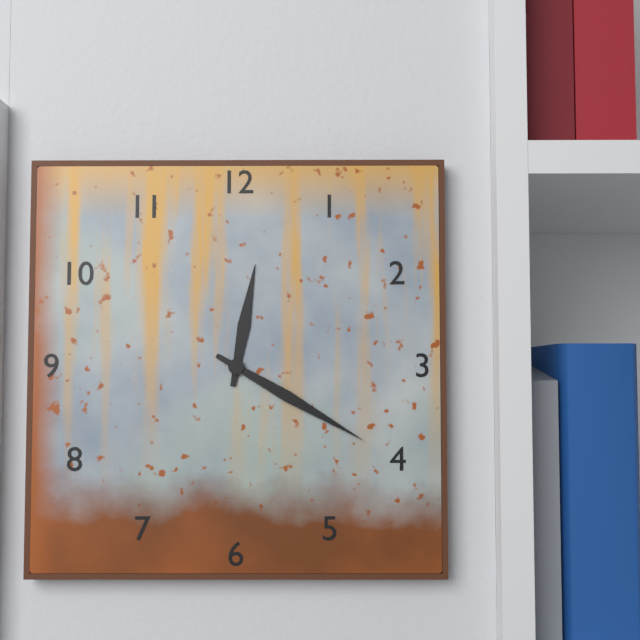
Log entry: 12 h 20 min
